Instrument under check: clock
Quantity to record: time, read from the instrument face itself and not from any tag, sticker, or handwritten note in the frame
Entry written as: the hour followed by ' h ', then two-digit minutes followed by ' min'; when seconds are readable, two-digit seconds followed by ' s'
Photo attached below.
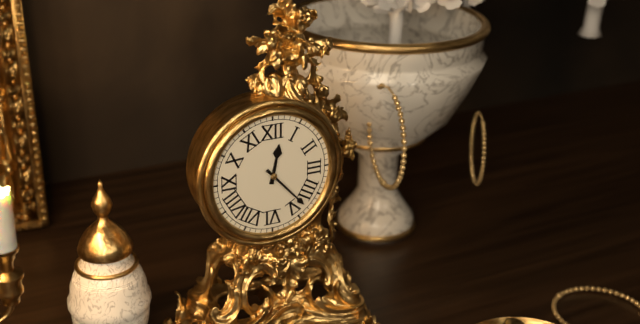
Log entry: 12 h 23 min
